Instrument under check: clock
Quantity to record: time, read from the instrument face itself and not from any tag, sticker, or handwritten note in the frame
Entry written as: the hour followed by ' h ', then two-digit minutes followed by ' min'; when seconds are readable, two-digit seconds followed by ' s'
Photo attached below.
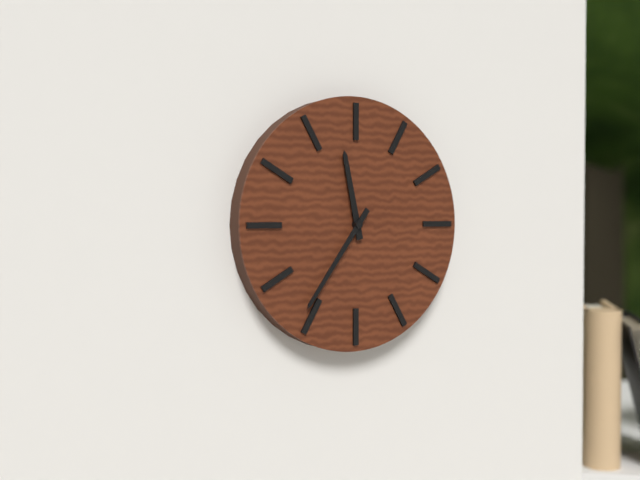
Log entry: 11 h 36 min
